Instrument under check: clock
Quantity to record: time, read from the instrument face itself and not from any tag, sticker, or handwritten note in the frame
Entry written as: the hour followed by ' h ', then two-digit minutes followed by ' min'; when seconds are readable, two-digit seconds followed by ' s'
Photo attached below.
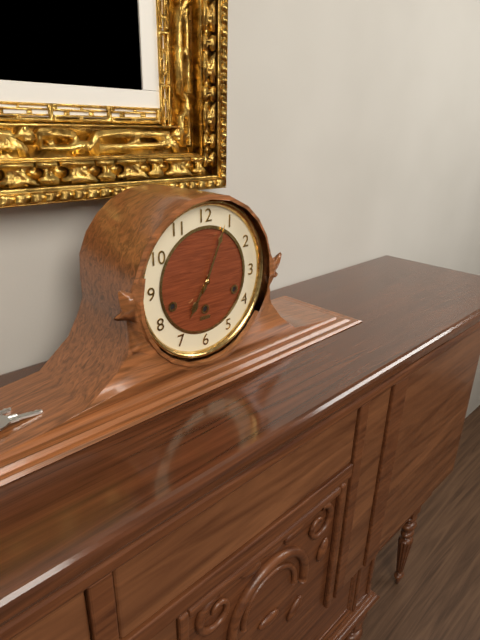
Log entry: 7 h 04 min
